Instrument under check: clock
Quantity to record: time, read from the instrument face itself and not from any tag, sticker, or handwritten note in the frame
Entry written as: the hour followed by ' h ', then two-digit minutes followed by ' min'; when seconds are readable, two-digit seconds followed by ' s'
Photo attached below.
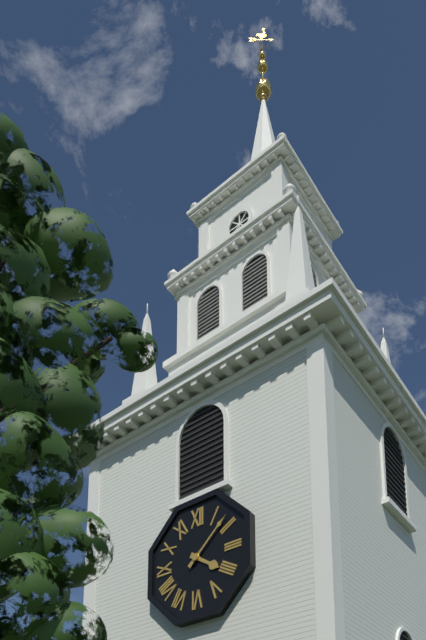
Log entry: 4 h 08 min
